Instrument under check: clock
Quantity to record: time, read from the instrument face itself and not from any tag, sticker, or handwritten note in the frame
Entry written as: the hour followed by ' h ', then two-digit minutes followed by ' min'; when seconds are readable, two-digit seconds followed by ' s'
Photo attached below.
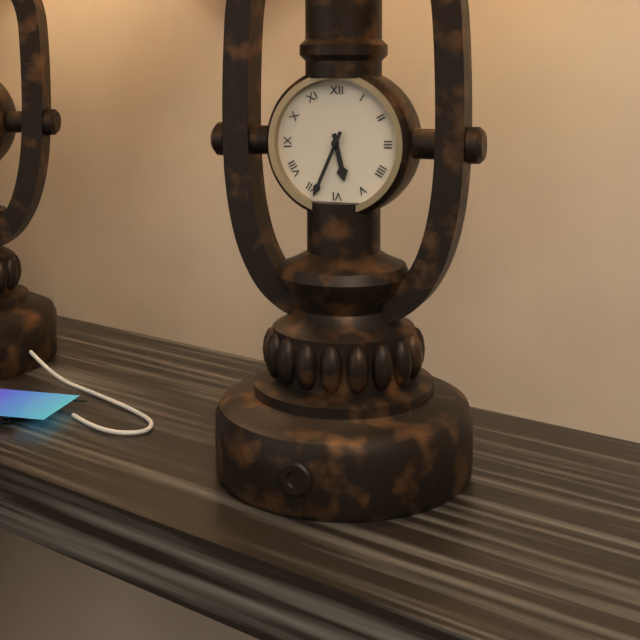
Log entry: 5 h 34 min
